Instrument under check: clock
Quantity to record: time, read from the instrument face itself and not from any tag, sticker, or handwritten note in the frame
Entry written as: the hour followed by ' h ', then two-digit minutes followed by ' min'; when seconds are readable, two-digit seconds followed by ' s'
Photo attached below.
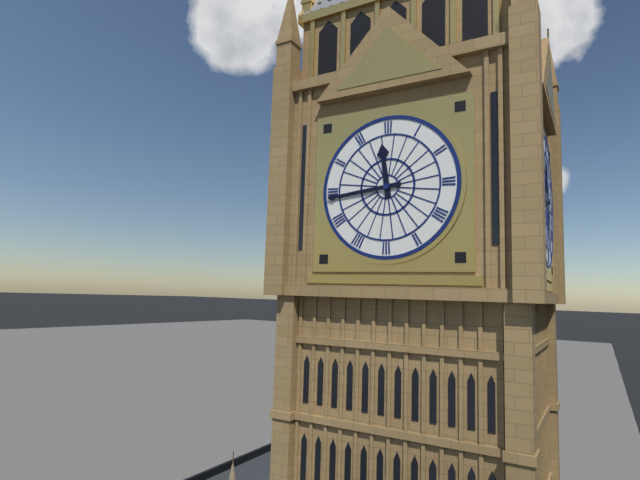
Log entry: 11 h 44 min
